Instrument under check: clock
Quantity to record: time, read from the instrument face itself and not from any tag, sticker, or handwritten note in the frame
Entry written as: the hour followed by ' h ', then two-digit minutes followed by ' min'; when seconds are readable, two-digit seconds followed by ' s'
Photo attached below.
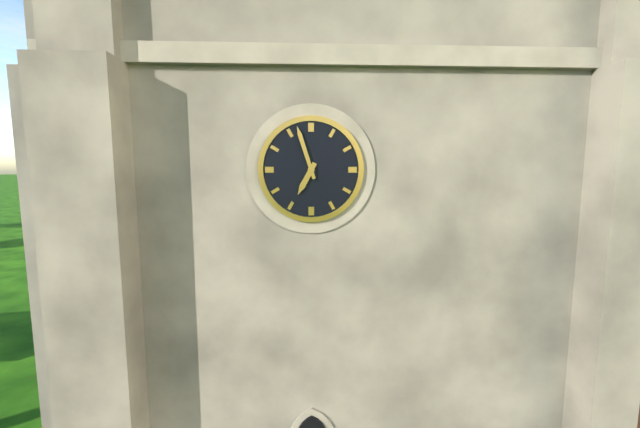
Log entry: 6 h 57 min
